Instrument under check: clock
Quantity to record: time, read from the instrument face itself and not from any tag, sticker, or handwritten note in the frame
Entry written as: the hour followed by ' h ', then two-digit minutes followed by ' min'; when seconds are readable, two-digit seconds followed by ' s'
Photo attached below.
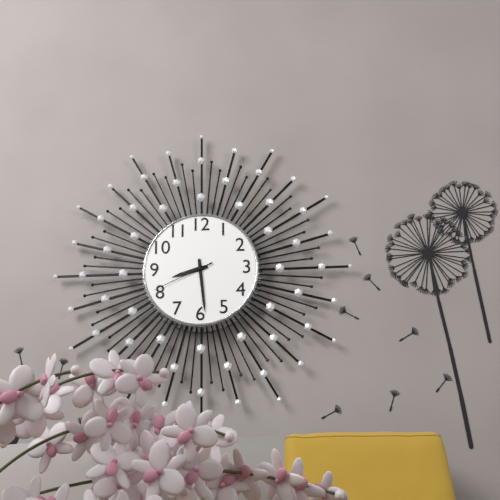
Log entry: 8 h 29 min 41 s
